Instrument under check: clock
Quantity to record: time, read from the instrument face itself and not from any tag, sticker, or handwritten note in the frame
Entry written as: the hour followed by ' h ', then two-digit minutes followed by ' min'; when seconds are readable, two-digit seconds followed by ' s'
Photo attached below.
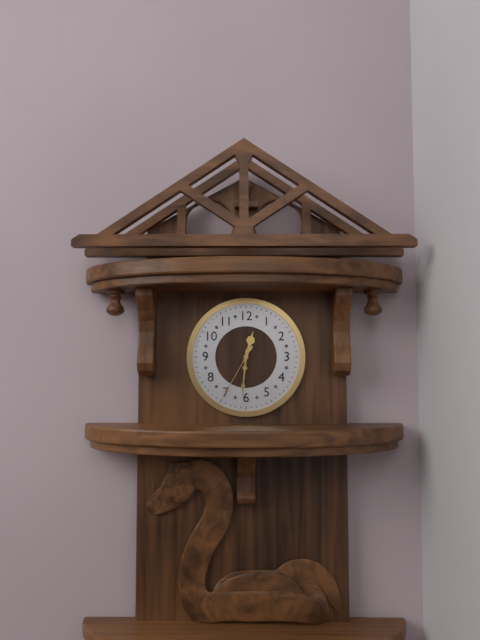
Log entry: 12 h 31 min 35 s
